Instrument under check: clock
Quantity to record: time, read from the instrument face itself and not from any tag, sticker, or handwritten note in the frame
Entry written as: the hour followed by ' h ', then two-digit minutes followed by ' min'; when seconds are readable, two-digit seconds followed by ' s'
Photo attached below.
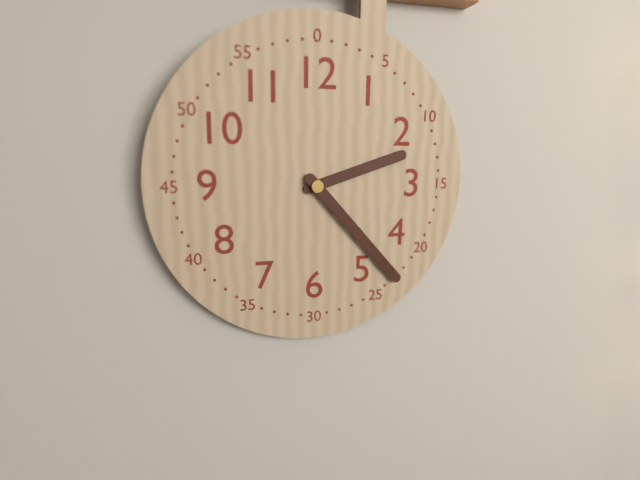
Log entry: 2 h 23 min
